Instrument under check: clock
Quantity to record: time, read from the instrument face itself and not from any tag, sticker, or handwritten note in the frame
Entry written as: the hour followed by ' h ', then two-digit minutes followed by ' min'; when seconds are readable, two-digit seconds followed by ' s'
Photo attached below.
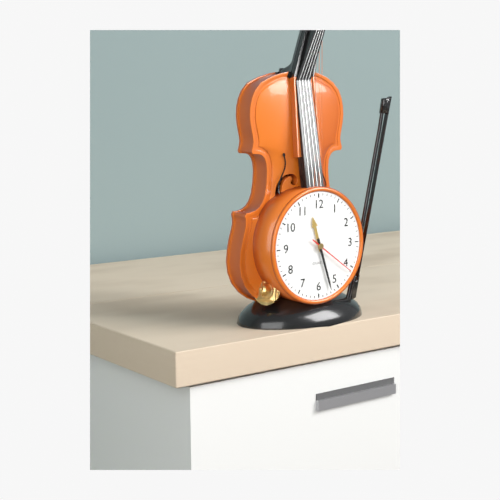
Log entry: 11 h 27 min 21 s
